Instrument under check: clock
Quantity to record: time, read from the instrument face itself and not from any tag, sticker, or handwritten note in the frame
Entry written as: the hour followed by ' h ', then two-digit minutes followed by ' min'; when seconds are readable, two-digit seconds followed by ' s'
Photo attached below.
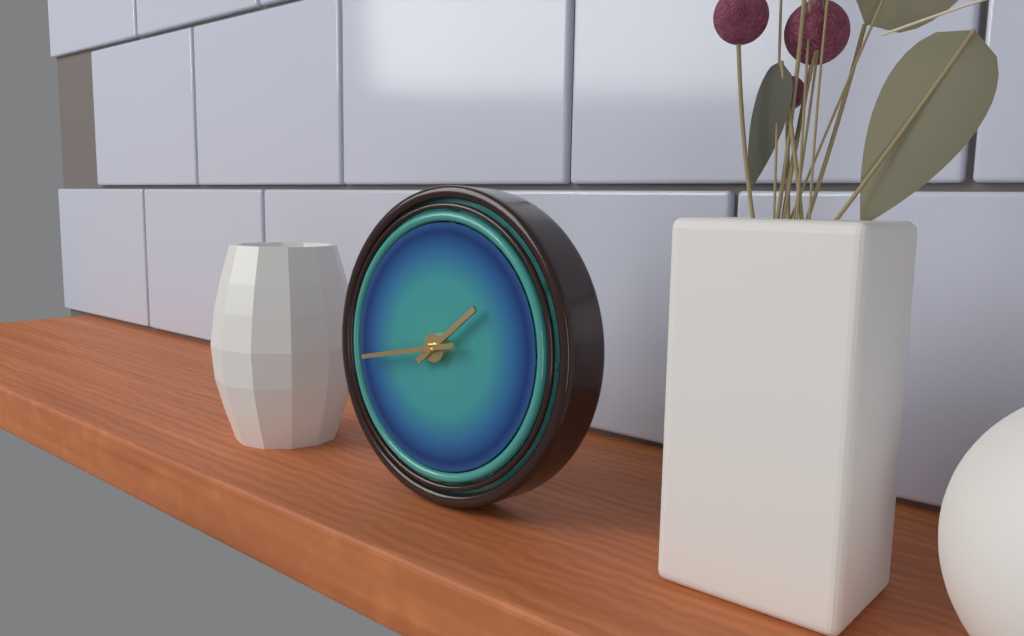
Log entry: 1 h 43 min
